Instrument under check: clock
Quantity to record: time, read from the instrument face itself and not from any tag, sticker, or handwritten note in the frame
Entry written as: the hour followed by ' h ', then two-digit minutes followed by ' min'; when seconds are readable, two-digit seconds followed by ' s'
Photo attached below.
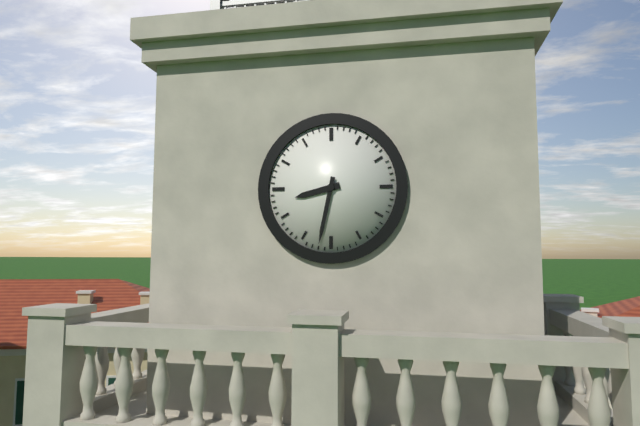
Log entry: 8 h 32 min
